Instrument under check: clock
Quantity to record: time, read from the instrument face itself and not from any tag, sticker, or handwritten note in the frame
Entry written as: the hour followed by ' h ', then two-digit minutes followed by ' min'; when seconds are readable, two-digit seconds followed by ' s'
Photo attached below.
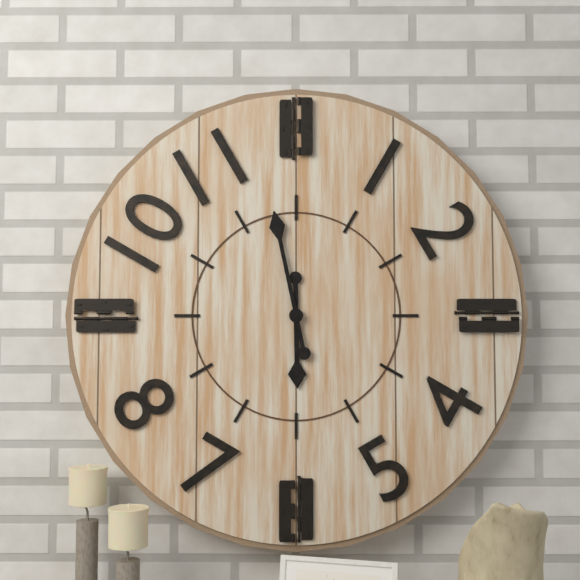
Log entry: 5 h 58 min
